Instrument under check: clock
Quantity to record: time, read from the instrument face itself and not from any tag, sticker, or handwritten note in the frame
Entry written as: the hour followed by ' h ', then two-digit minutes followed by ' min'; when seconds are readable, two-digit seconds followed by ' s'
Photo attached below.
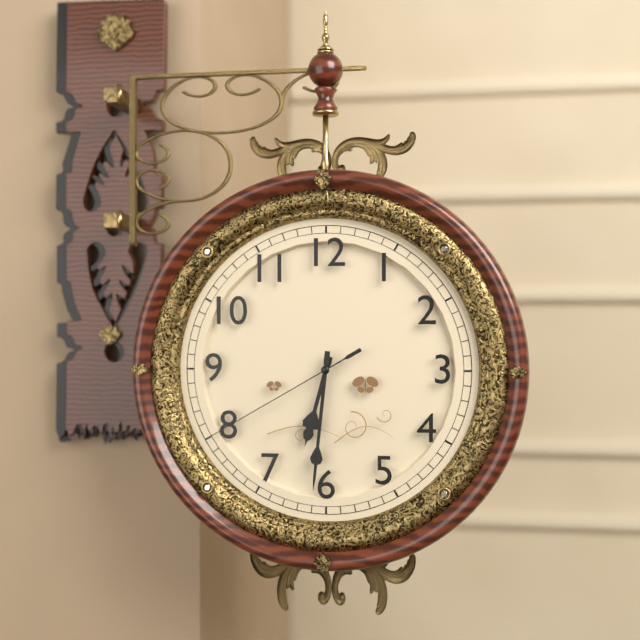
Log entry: 6 h 31 min 40 s
